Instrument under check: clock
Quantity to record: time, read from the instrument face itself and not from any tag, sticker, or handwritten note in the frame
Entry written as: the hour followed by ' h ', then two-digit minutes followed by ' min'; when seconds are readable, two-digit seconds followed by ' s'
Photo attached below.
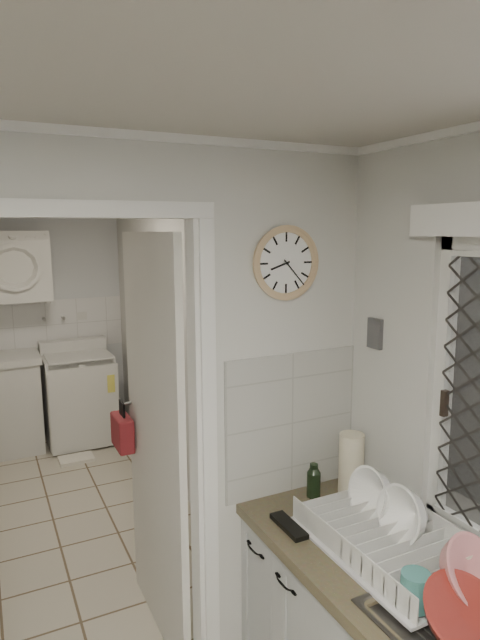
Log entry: 8 h 23 min
